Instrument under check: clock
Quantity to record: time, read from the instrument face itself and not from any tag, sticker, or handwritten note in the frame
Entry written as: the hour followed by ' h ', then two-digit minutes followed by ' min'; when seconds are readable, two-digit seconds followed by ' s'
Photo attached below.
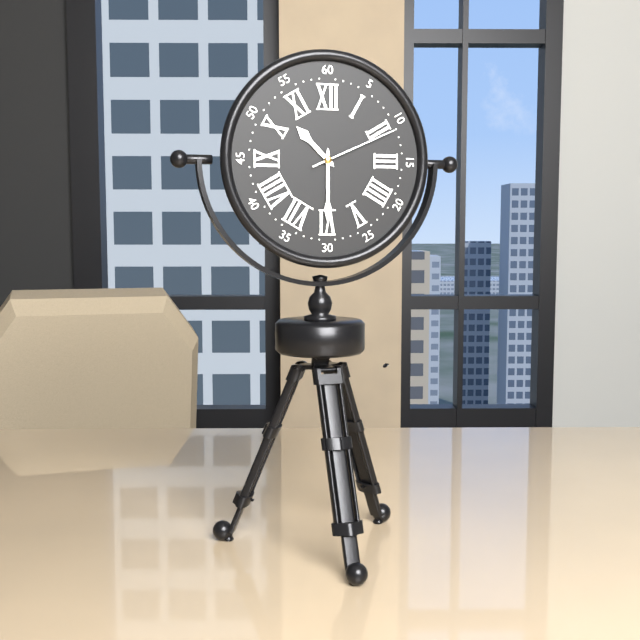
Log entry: 10 h 30 min 11 s
